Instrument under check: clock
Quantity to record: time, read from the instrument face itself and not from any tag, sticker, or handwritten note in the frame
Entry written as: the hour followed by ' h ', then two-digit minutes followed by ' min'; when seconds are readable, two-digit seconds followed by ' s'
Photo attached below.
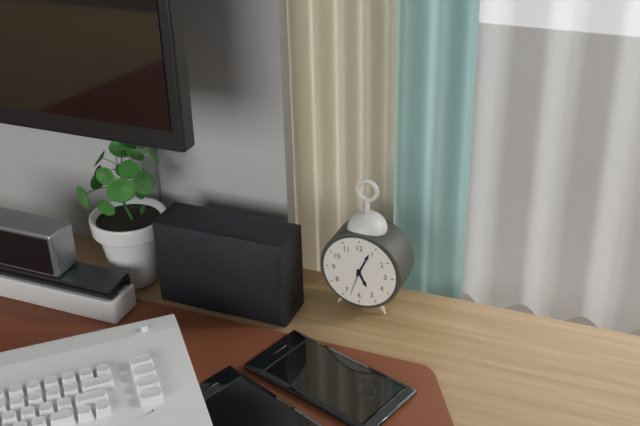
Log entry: 5 h 04 min
